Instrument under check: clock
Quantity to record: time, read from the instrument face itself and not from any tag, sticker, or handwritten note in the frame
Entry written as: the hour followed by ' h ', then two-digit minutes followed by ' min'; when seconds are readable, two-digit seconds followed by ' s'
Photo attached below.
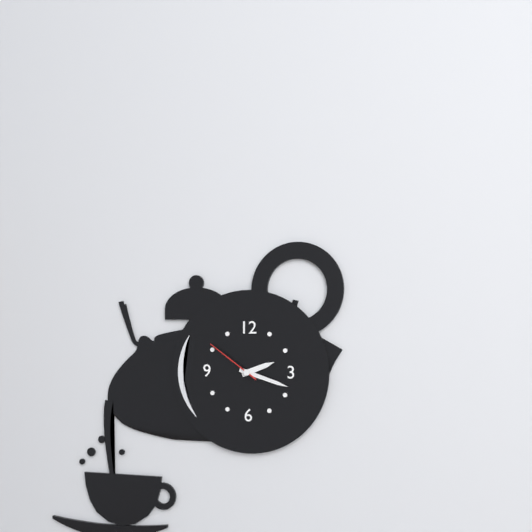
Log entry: 2 h 18 min 51 s
